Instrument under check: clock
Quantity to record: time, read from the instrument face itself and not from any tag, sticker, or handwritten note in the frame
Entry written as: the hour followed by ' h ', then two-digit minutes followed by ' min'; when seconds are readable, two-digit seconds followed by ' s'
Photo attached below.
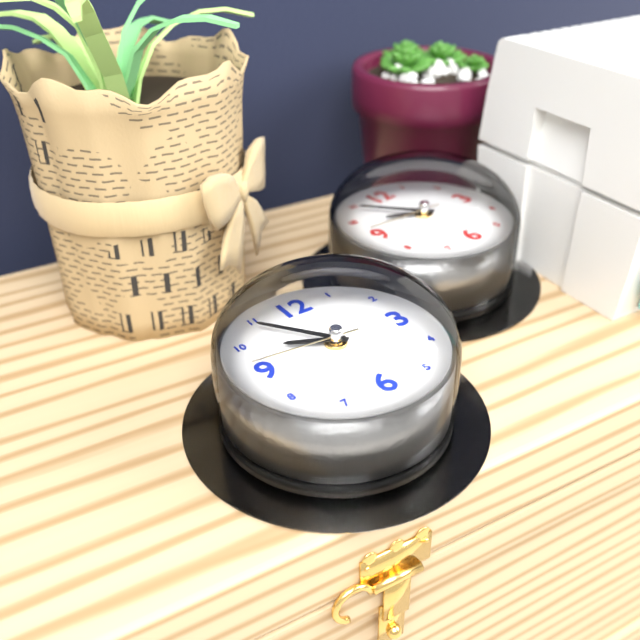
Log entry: 9 h 54 min 46 s
